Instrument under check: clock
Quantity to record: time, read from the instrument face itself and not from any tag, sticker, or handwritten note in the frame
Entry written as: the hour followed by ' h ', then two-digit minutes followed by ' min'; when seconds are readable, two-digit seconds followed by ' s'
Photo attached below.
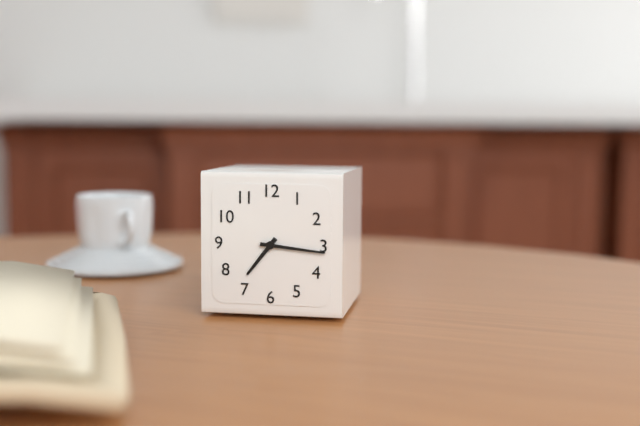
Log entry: 7 h 16 min
